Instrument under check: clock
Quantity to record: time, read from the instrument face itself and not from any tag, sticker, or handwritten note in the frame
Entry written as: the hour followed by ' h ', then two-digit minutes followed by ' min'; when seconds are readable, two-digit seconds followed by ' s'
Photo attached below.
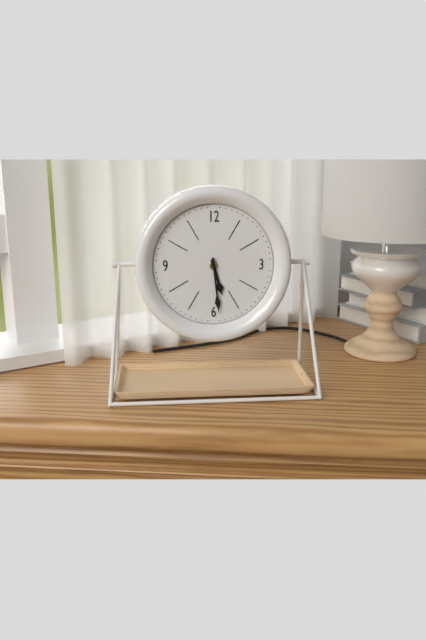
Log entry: 5 h 29 min
